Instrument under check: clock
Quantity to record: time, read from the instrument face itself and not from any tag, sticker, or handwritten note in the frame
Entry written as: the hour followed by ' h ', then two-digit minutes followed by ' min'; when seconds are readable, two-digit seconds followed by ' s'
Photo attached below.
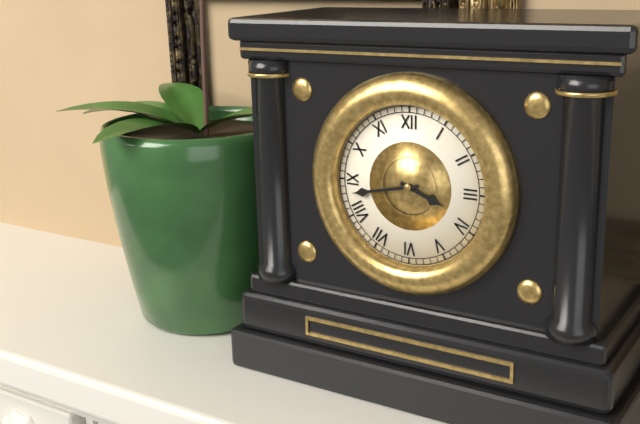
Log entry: 3 h 43 min
